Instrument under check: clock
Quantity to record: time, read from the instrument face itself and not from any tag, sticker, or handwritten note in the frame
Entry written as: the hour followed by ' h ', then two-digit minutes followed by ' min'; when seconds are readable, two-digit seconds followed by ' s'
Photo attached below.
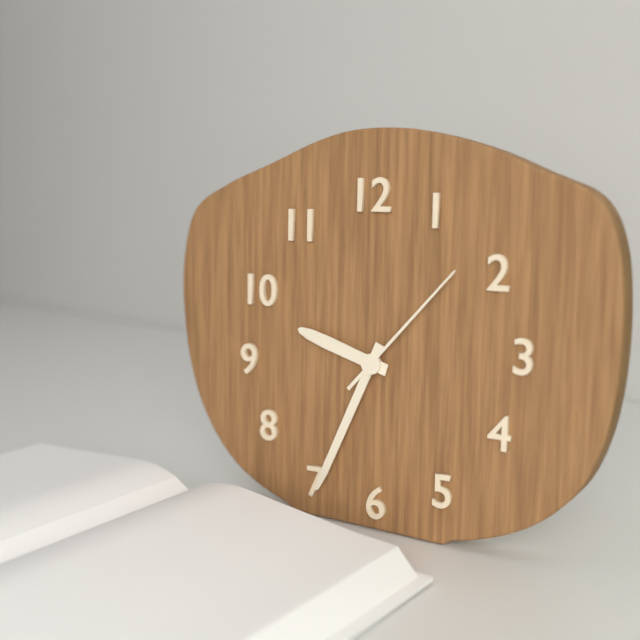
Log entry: 9 h 34 min 07 s
